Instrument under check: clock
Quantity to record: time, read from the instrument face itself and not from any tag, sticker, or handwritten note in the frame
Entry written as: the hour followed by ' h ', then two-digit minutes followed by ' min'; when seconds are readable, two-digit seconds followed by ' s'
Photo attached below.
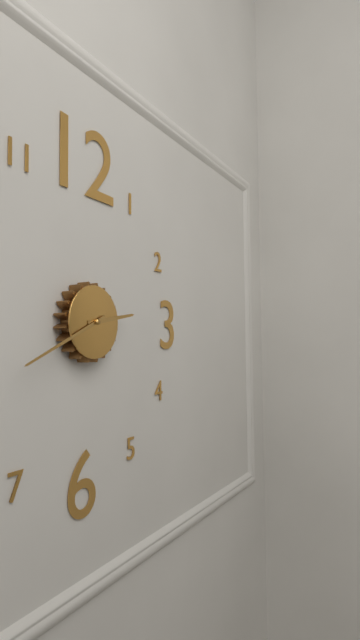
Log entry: 2 h 41 min
